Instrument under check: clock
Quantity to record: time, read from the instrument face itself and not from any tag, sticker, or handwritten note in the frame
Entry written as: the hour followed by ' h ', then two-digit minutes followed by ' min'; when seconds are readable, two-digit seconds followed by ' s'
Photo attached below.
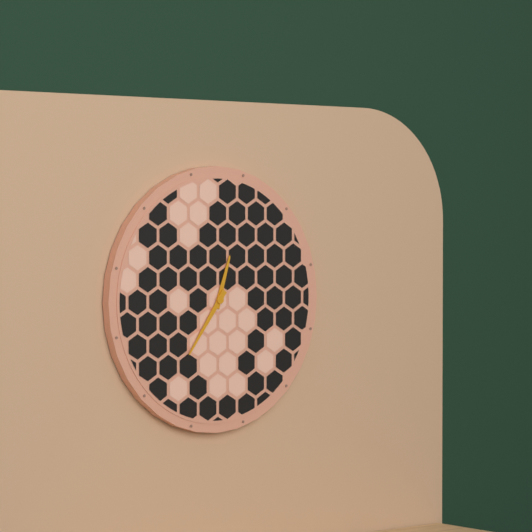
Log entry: 12 h 36 min
